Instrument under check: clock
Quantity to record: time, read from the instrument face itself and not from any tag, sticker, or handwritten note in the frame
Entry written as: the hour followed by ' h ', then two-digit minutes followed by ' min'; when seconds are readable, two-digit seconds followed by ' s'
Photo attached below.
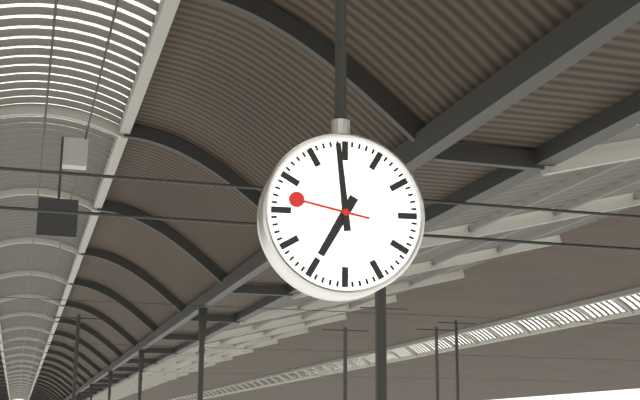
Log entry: 6 h 59 min 47 s
